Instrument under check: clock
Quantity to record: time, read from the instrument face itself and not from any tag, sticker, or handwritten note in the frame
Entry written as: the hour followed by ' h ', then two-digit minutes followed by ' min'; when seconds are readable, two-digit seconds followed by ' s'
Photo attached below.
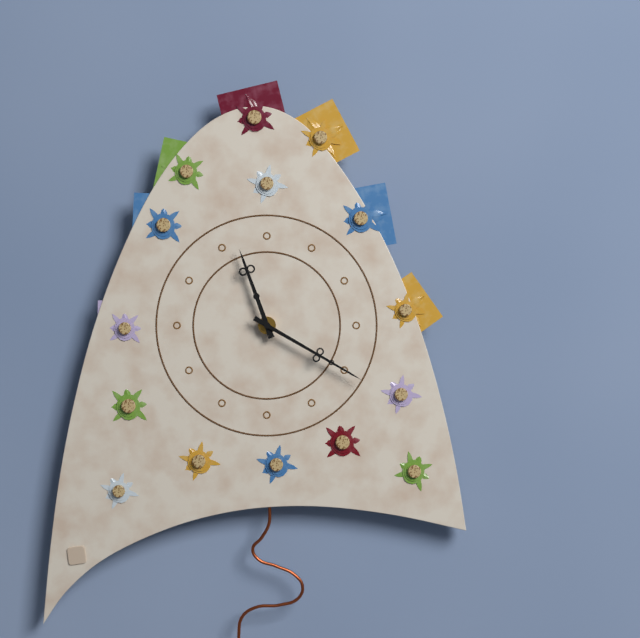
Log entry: 11 h 20 min
